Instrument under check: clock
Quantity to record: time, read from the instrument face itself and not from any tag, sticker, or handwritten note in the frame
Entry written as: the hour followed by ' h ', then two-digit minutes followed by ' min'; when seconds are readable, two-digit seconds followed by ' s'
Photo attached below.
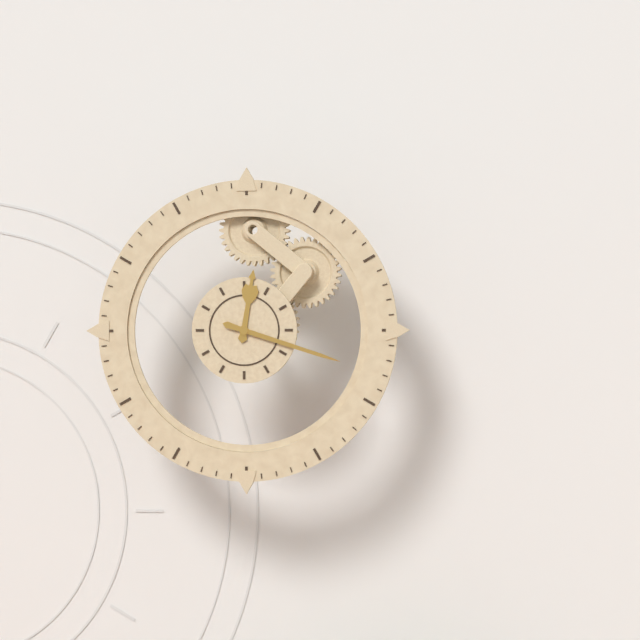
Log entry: 12 h 18 min
